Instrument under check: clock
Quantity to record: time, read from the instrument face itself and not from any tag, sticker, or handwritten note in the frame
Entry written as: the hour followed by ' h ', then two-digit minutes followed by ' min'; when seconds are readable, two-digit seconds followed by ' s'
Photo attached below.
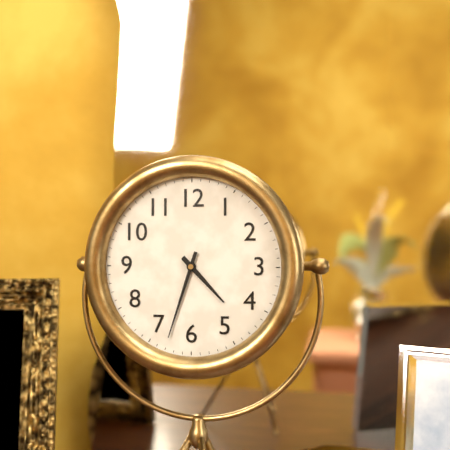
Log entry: 4 h 33 min
